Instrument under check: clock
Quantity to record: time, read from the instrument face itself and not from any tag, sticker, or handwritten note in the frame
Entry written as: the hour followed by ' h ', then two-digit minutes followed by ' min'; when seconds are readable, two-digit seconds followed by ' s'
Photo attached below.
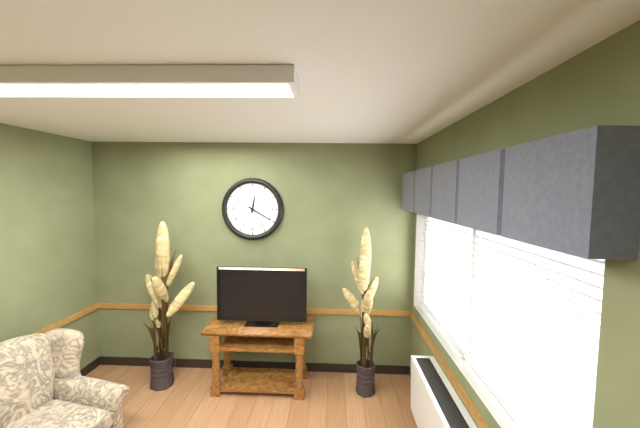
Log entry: 12 h 20 min
